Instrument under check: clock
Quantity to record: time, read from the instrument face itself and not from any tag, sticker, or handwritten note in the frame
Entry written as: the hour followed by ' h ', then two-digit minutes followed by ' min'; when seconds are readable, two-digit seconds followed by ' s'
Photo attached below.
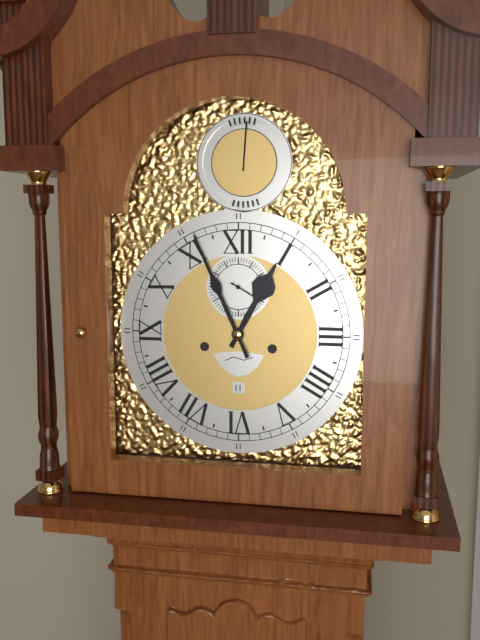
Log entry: 12 h 56 min
